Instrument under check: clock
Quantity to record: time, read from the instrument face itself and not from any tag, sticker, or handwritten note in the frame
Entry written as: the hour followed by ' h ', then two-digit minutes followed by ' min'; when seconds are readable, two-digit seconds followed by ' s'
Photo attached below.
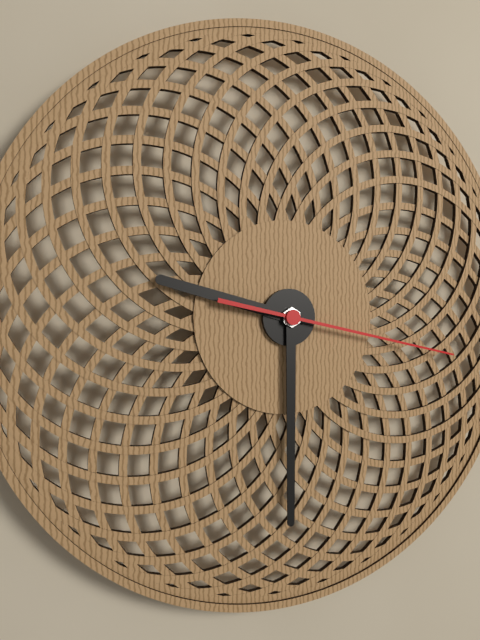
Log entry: 9 h 30 min 17 s
